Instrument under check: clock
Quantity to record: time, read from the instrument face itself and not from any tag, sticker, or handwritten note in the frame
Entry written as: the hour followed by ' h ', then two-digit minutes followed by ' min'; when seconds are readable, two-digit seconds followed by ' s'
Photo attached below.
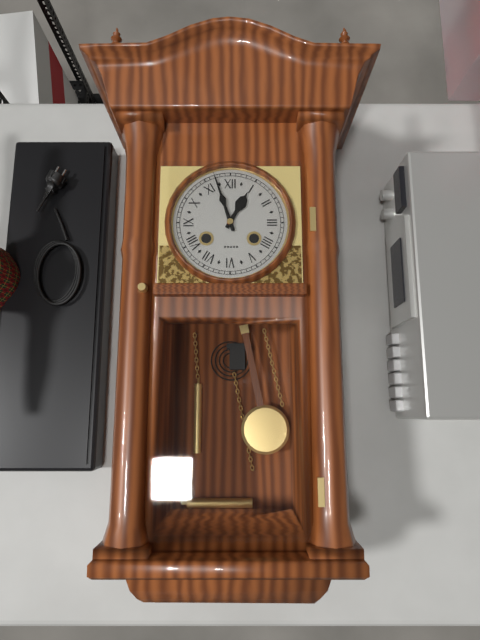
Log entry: 12 h 57 min
